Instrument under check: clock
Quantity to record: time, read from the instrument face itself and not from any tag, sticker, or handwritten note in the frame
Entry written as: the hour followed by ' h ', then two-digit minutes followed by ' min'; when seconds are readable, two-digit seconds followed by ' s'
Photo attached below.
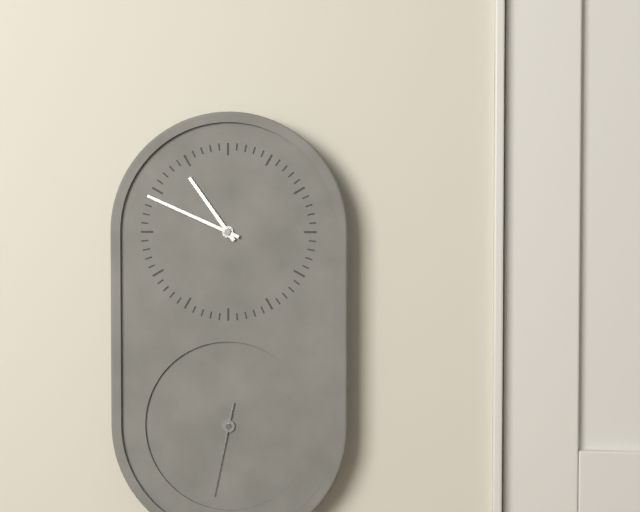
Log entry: 10 h 49 min 32 s
